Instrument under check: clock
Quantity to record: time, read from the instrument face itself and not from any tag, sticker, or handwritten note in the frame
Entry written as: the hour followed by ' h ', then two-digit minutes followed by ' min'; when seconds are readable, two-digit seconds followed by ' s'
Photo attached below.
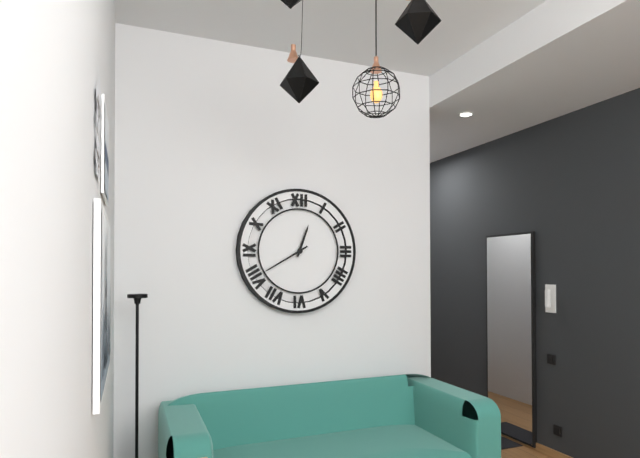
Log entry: 12 h 40 min
